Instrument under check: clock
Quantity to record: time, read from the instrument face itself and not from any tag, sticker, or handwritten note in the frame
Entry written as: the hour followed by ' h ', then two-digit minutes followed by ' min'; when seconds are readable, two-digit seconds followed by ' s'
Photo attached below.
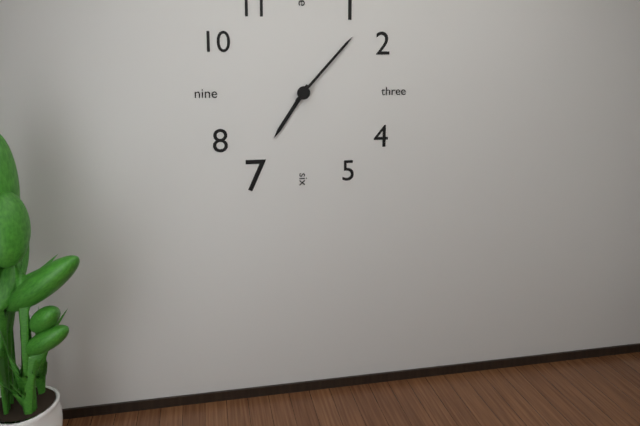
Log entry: 7 h 07 min
